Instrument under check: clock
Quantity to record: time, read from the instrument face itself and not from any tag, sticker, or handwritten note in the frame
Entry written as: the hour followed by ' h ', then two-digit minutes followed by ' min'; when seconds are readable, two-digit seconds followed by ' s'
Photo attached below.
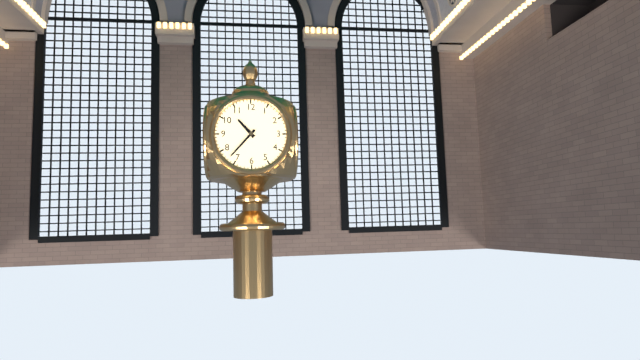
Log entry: 10 h 37 min
